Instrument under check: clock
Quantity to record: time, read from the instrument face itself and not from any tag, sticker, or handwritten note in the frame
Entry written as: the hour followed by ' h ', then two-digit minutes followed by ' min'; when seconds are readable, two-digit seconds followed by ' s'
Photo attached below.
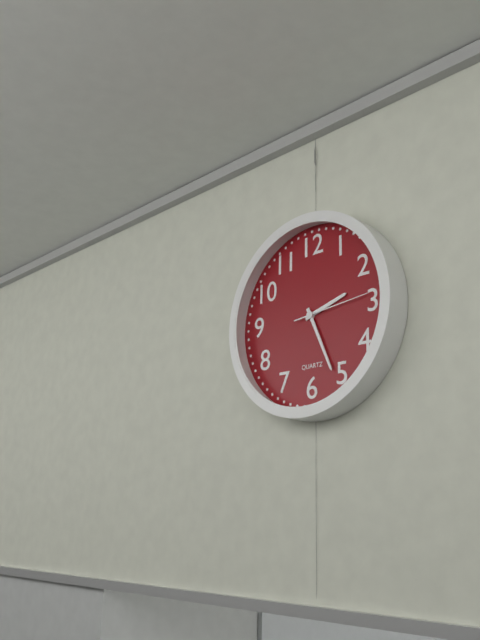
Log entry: 2 h 26 min 14 s
